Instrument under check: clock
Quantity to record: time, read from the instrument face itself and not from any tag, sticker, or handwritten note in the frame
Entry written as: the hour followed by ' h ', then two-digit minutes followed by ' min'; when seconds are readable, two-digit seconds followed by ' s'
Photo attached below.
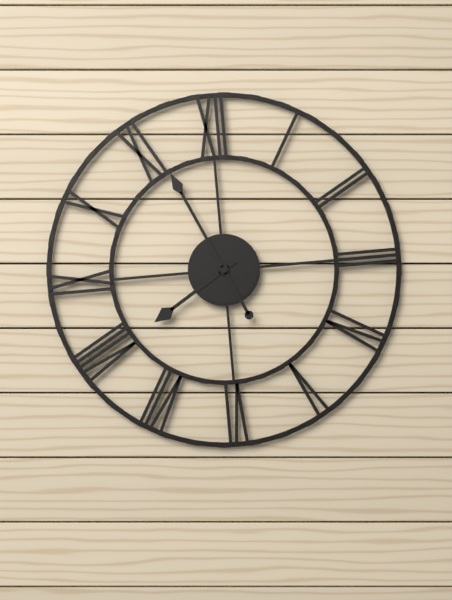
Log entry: 7 h 56 min
